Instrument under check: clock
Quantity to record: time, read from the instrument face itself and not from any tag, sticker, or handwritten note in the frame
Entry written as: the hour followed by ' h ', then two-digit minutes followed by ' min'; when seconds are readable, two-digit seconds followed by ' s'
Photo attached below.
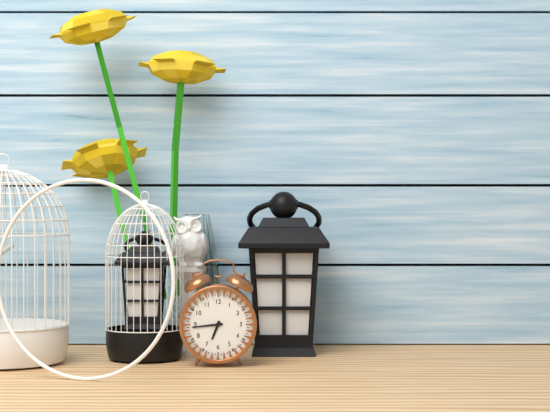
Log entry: 6 h 44 min
